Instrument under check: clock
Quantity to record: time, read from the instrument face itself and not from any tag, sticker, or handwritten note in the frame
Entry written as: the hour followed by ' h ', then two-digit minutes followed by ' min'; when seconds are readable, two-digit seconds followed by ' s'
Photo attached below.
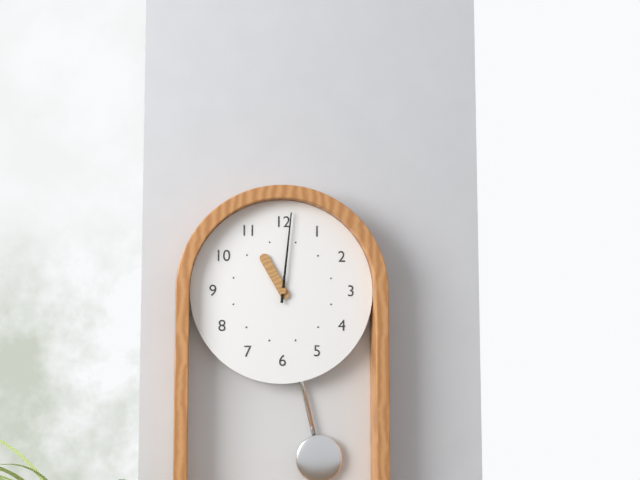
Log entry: 11 h 01 min
